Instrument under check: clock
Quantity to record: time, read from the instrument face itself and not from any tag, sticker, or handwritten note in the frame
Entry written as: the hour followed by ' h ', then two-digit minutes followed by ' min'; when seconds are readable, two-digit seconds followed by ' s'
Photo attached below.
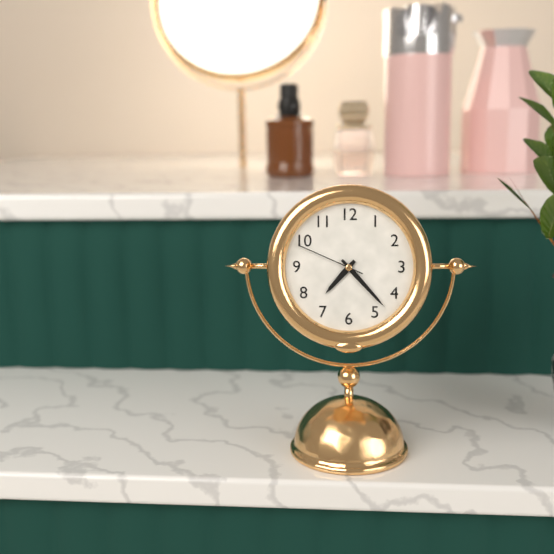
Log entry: 7 h 23 min 49 s
